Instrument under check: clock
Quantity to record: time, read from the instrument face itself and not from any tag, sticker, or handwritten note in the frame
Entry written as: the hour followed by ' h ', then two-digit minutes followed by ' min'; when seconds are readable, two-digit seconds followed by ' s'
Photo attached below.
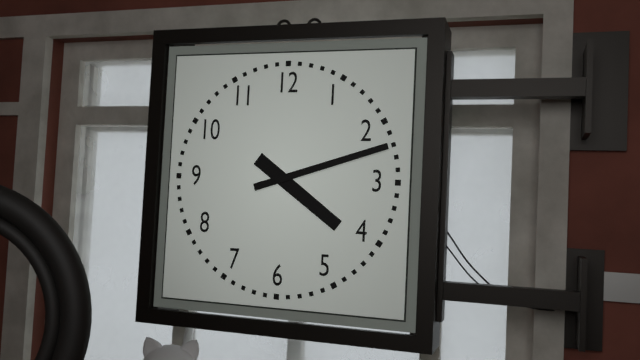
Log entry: 4 h 12 min
